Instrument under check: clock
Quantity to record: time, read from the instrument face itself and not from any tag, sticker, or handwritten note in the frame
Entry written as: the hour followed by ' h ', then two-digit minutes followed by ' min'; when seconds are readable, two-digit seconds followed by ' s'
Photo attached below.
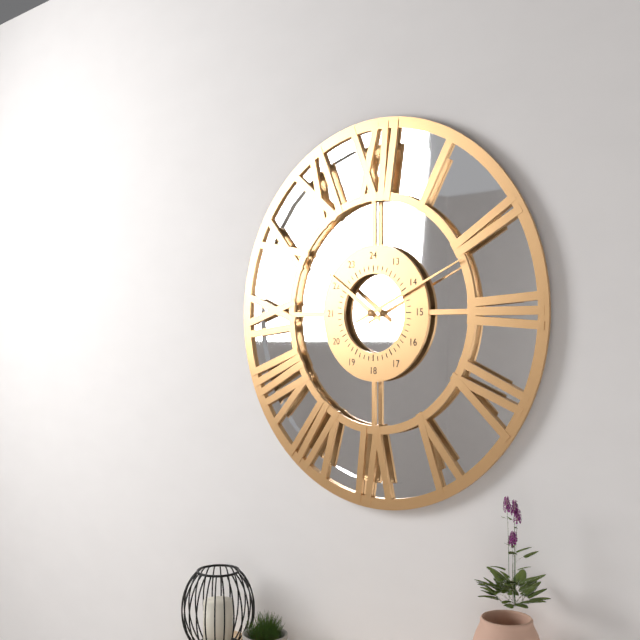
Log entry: 10 h 11 min
